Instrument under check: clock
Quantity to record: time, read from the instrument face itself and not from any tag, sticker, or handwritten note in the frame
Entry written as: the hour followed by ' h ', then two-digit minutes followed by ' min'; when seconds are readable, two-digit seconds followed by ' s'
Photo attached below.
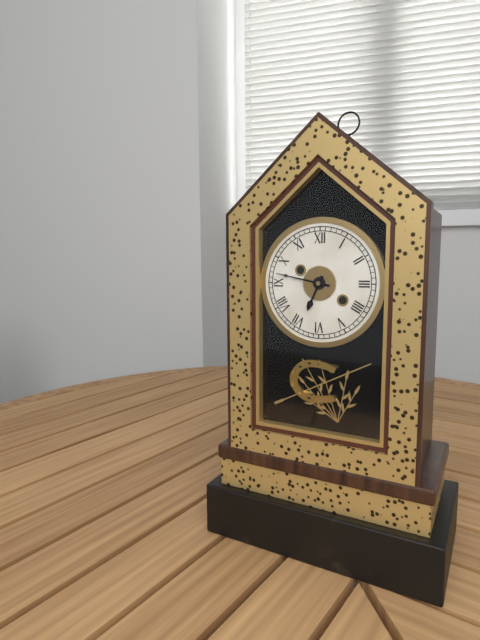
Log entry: 6 h 47 min
